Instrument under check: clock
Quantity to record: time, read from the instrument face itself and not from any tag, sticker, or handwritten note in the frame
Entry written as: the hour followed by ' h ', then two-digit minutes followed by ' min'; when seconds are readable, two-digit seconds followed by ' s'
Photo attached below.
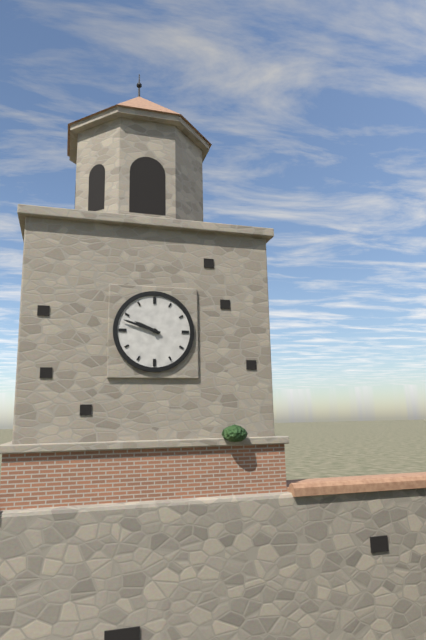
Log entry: 9 h 48 min
